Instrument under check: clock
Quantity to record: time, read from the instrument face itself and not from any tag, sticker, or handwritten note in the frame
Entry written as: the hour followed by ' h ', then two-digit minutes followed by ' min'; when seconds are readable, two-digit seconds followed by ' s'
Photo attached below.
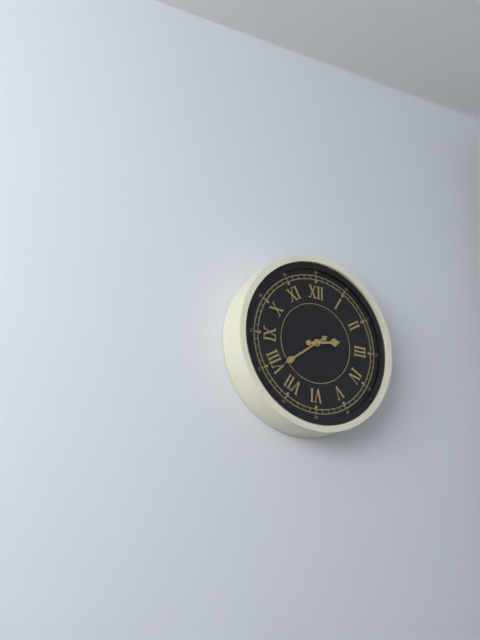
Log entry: 2 h 39 min
